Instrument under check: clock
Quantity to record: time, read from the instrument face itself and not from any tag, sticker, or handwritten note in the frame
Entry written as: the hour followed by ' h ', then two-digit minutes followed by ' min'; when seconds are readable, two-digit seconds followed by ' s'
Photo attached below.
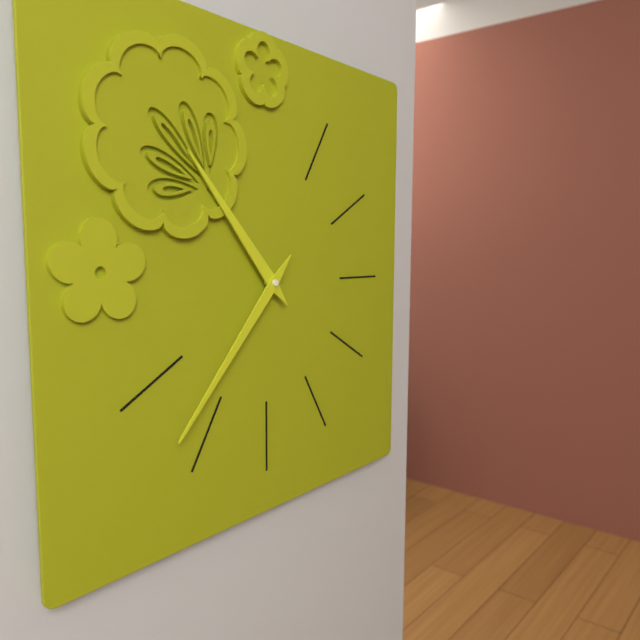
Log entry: 10 h 37 min
